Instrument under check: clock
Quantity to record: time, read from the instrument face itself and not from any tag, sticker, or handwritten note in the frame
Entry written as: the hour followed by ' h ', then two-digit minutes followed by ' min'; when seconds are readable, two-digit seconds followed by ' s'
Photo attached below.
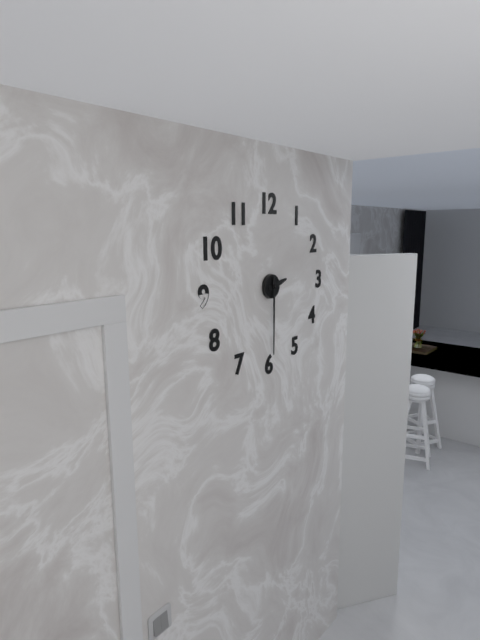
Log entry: 2 h 30 min
